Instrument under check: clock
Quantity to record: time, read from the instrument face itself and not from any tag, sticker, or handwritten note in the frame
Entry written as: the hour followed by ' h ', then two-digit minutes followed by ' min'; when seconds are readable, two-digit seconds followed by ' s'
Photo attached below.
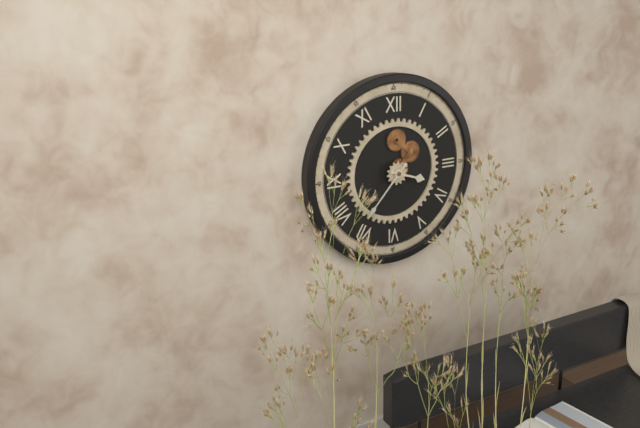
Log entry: 3 h 37 min
